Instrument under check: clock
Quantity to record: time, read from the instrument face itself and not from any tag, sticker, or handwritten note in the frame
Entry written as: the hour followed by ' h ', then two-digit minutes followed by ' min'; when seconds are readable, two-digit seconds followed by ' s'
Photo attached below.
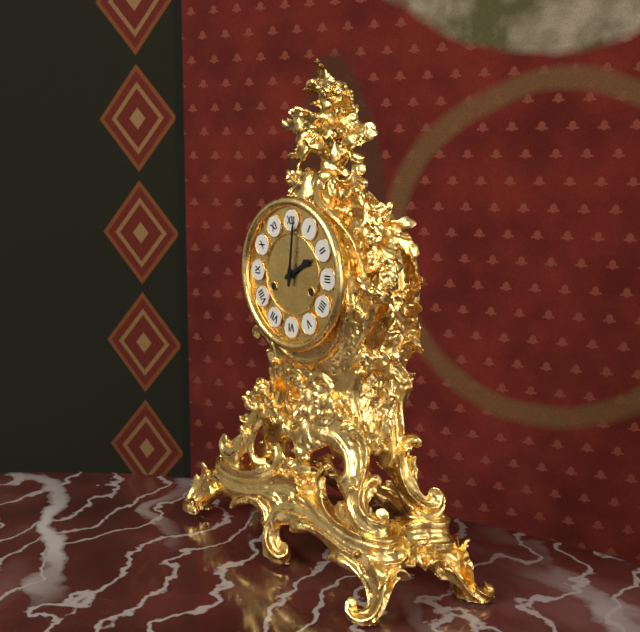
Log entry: 2 h 01 min
